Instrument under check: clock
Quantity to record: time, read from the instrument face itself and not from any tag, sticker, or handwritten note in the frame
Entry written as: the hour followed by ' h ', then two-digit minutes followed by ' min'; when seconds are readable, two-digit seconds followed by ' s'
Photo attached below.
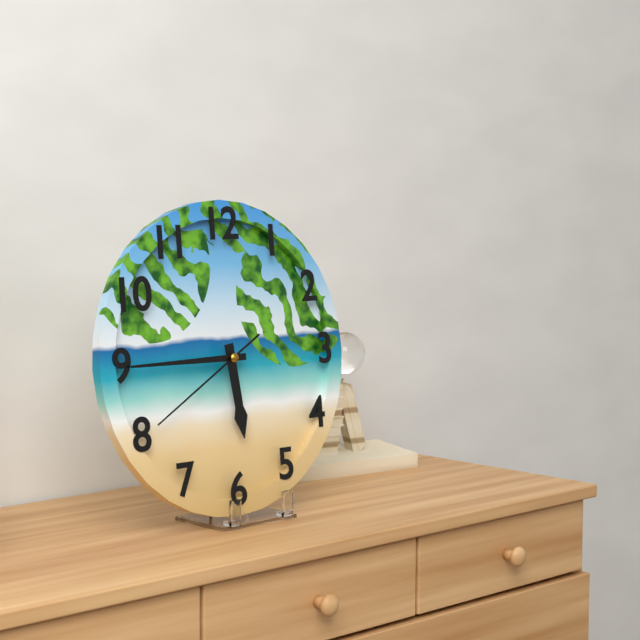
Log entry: 5 h 45 min 40 s
